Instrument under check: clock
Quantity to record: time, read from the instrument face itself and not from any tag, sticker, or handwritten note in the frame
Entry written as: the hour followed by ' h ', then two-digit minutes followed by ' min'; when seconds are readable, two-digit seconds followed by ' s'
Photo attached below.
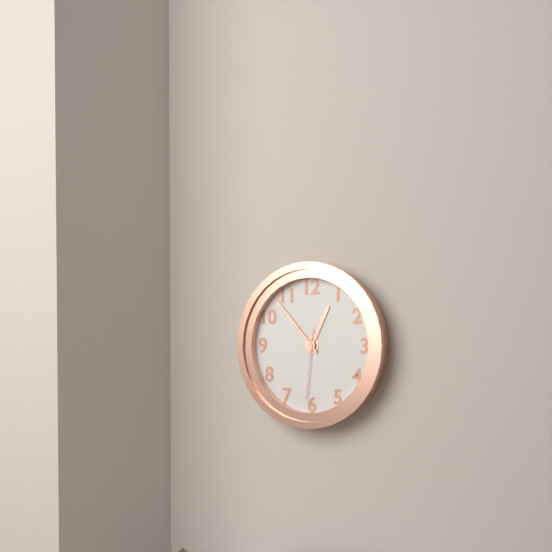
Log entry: 12 h 53 min 31 s
